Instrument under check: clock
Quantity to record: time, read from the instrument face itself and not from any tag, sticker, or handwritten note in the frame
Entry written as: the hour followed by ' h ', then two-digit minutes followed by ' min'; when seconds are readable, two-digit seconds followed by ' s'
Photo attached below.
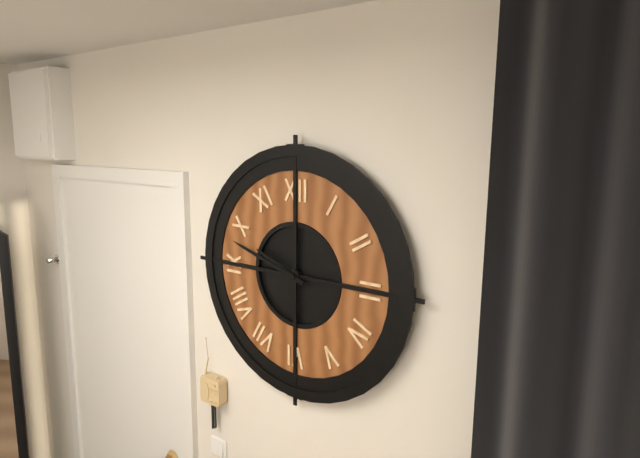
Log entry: 9 h 48 min
